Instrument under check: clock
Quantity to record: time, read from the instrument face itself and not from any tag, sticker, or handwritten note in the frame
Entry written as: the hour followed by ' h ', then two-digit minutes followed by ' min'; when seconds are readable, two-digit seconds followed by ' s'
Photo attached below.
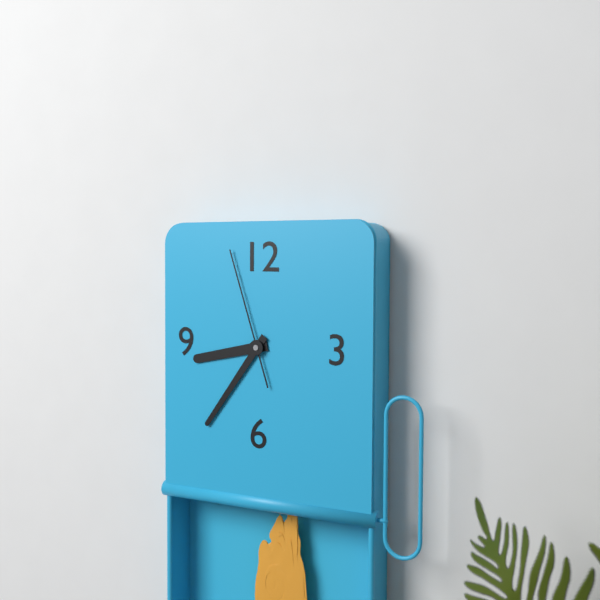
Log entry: 8 h 36 min 57 s
